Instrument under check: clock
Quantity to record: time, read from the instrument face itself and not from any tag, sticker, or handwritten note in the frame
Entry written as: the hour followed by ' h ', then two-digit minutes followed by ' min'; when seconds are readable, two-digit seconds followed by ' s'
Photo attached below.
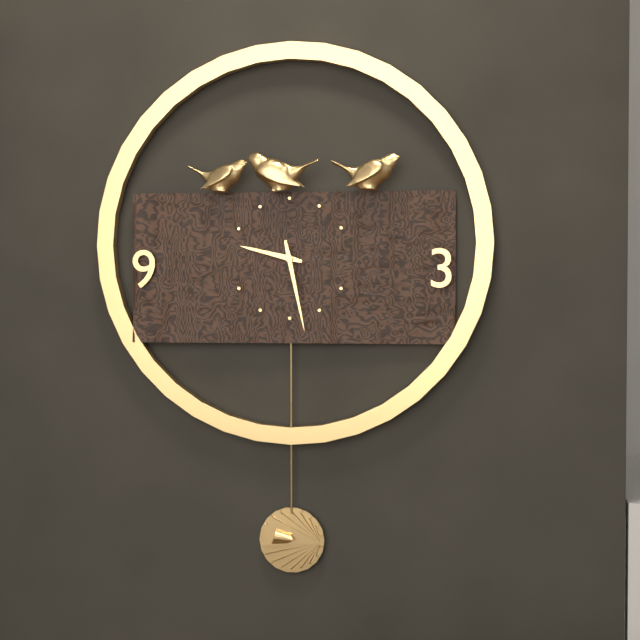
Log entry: 9 h 28 min
